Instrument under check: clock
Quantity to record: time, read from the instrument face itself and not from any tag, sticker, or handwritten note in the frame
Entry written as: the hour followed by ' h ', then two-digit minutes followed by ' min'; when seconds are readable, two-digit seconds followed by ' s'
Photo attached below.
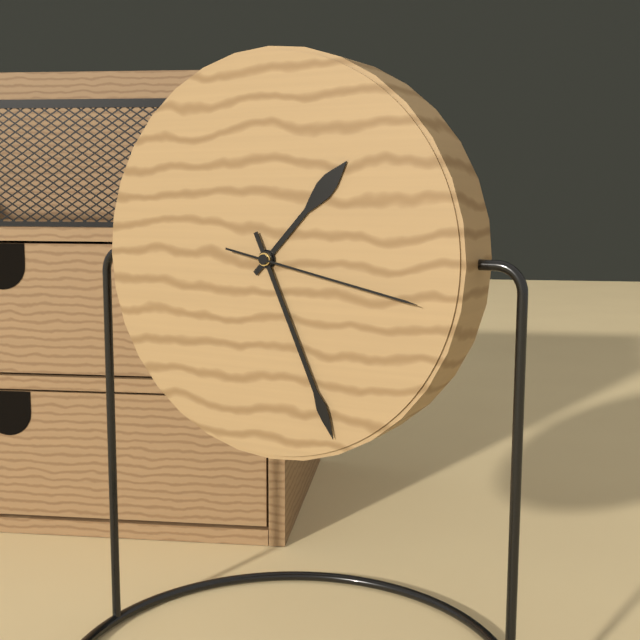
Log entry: 1 h 26 min 17 s
